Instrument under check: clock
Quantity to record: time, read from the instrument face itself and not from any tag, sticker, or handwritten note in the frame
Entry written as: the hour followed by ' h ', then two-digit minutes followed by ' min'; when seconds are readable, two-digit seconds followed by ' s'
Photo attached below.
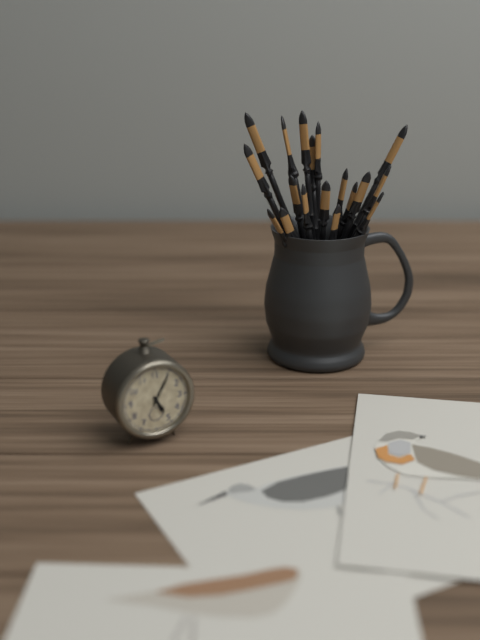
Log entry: 5 h 05 min
